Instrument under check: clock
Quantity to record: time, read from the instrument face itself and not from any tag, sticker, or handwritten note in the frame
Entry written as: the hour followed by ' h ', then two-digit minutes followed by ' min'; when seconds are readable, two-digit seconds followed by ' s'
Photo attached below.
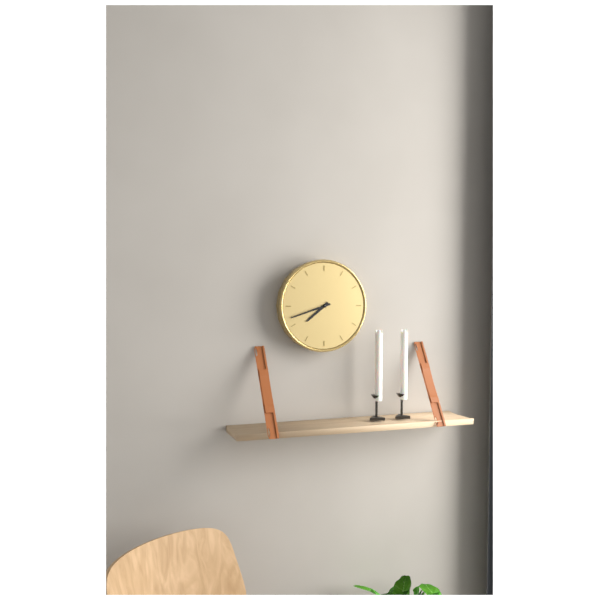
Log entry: 7 h 42 min
